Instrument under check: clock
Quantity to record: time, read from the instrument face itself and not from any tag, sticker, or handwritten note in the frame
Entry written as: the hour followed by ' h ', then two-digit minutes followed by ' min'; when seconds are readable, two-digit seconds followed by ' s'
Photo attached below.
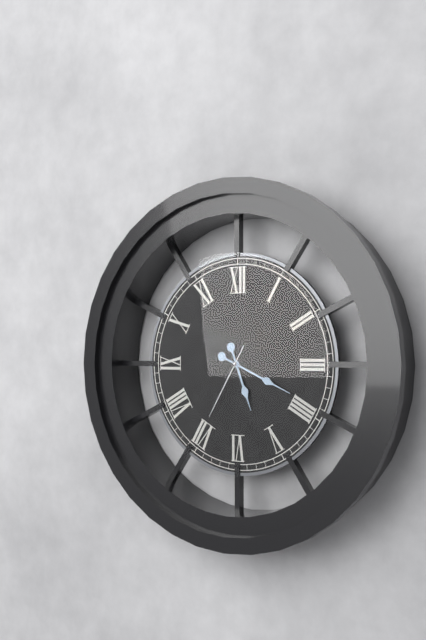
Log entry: 5 h 19 min 35 s
